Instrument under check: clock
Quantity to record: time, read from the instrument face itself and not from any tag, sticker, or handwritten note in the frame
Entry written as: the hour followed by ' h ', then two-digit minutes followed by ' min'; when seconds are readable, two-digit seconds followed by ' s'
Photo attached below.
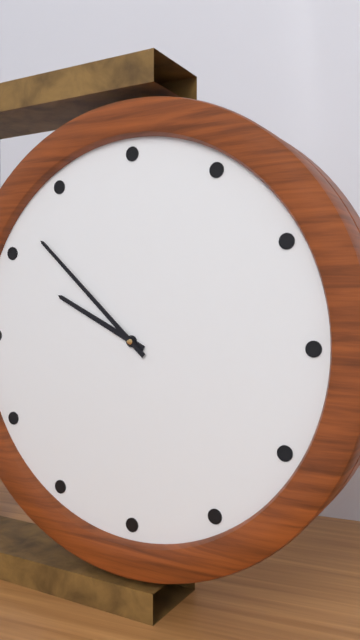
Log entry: 9 h 52 min
